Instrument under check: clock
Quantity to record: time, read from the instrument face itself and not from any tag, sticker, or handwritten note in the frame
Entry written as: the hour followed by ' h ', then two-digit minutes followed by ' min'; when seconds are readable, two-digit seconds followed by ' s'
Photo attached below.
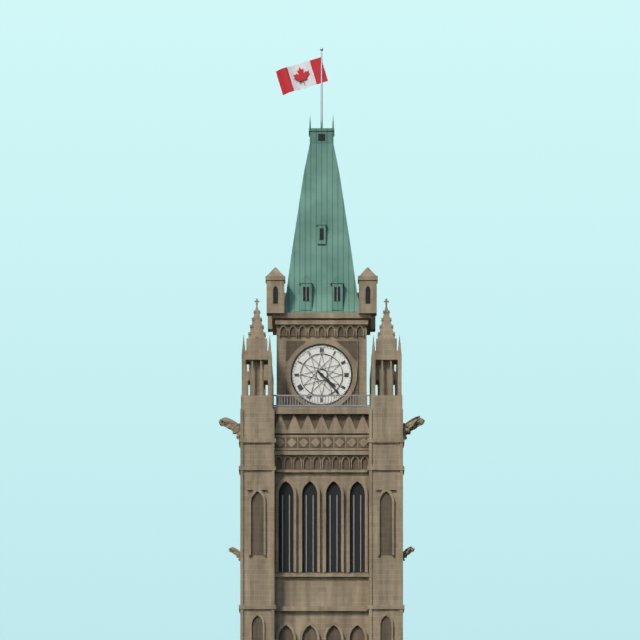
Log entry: 4 h 23 min
